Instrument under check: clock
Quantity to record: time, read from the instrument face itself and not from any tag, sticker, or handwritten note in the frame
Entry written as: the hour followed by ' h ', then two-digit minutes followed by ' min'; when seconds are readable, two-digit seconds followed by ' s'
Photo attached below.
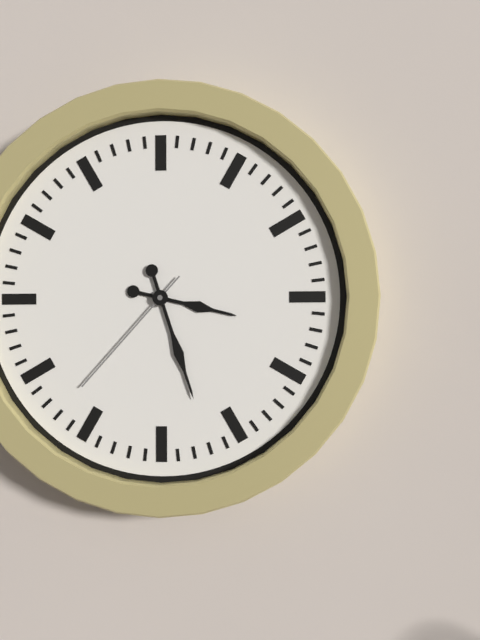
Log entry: 3 h 27 min 37 s
